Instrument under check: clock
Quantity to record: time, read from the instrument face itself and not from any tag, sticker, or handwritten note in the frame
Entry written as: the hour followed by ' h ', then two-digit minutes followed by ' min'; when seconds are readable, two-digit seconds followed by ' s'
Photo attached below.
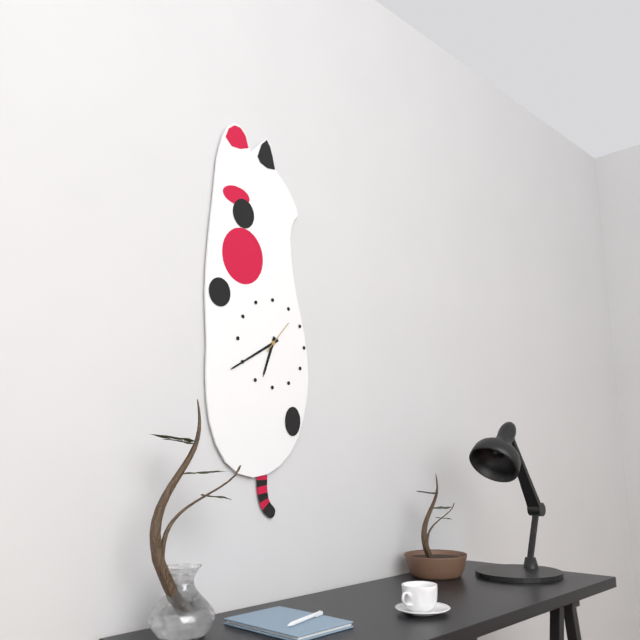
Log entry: 6 h 40 min
